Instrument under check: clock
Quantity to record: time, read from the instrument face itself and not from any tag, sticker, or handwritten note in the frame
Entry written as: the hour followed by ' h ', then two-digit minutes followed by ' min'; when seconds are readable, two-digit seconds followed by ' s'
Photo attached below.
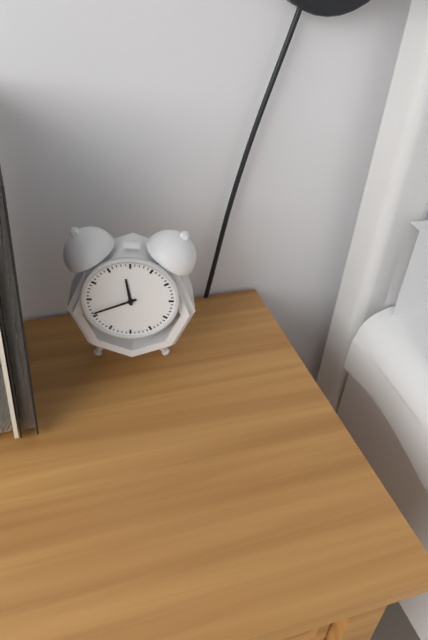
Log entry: 11 h 41 min
